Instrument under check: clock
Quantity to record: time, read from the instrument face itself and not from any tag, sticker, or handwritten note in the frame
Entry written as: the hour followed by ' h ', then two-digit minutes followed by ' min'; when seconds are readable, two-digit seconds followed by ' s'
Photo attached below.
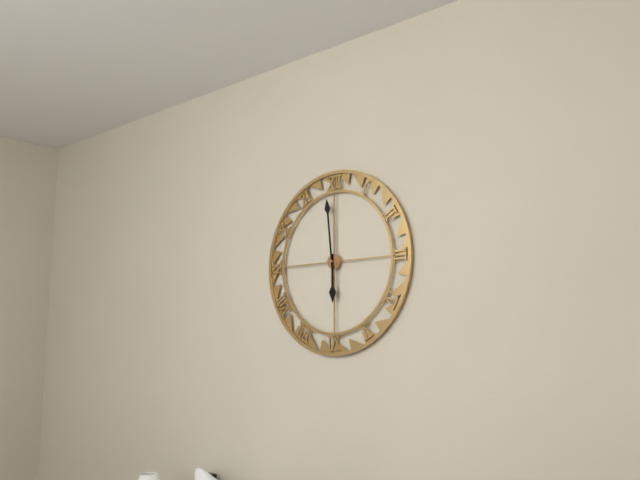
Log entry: 5 h 59 min
